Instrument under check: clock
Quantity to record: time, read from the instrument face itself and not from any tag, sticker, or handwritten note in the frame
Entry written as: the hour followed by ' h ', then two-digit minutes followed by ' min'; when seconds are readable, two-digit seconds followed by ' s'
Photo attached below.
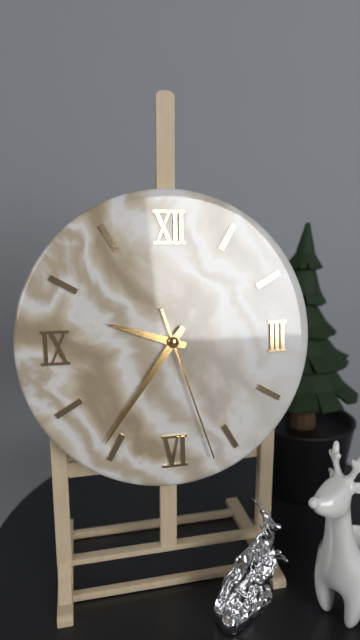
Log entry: 9 h 36 min 27 s
